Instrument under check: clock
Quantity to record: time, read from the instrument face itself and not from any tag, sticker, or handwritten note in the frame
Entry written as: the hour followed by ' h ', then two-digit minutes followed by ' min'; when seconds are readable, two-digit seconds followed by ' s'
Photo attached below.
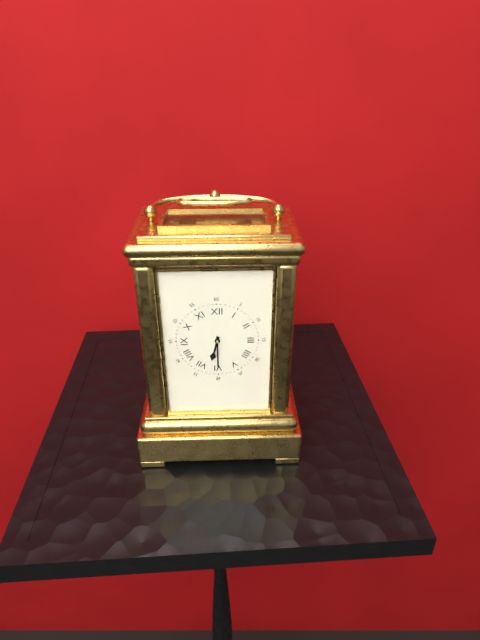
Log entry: 6 h 30 min
